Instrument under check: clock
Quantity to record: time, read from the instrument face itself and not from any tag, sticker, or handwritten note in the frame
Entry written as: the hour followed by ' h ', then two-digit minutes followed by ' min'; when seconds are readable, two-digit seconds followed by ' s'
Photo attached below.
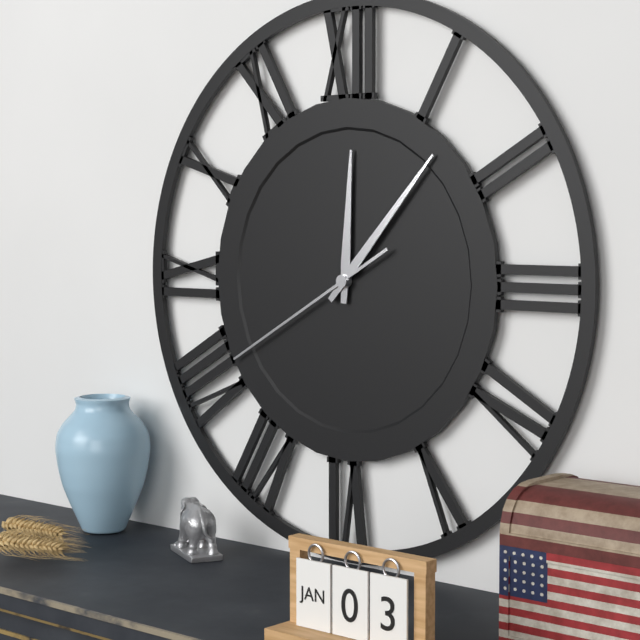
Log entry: 12 h 07 min 40 s
